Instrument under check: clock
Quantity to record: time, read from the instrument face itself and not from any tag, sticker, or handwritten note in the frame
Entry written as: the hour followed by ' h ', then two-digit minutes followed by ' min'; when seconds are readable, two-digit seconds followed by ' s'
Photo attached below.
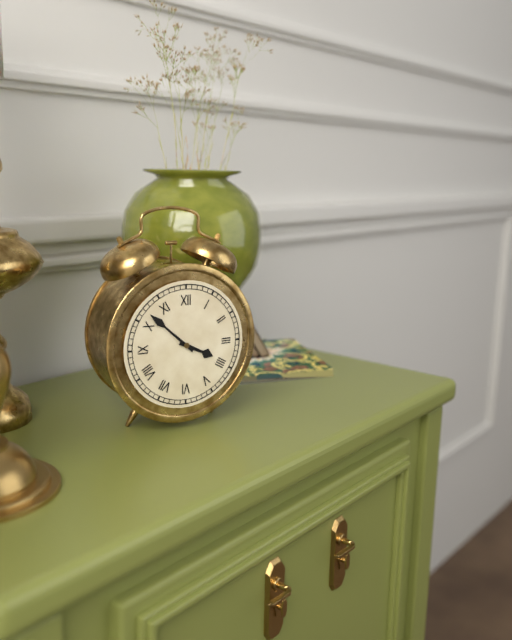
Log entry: 3 h 52 min
